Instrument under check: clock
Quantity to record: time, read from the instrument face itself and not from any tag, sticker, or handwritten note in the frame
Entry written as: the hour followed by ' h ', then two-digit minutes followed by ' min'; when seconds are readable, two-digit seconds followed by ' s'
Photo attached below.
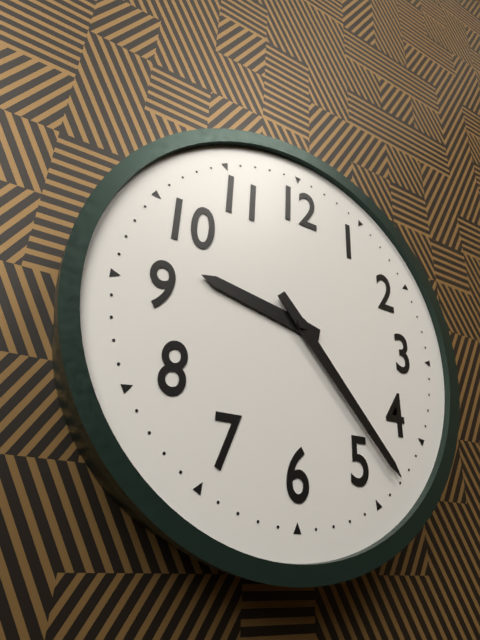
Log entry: 9 h 23 min
